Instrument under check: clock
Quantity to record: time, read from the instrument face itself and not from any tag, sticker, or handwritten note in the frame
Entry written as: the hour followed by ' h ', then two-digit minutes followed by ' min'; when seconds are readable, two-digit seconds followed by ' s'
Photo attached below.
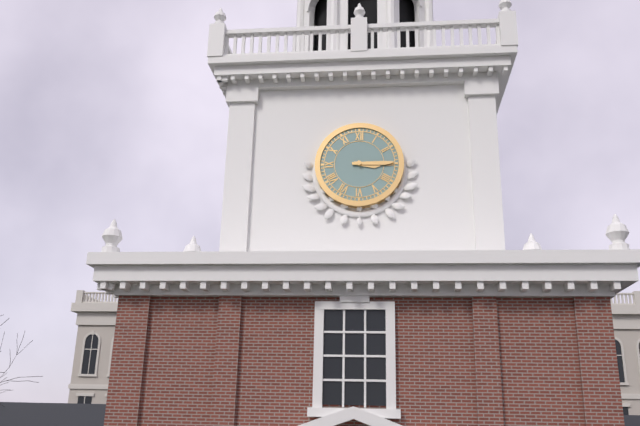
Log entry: 3 h 15 min
